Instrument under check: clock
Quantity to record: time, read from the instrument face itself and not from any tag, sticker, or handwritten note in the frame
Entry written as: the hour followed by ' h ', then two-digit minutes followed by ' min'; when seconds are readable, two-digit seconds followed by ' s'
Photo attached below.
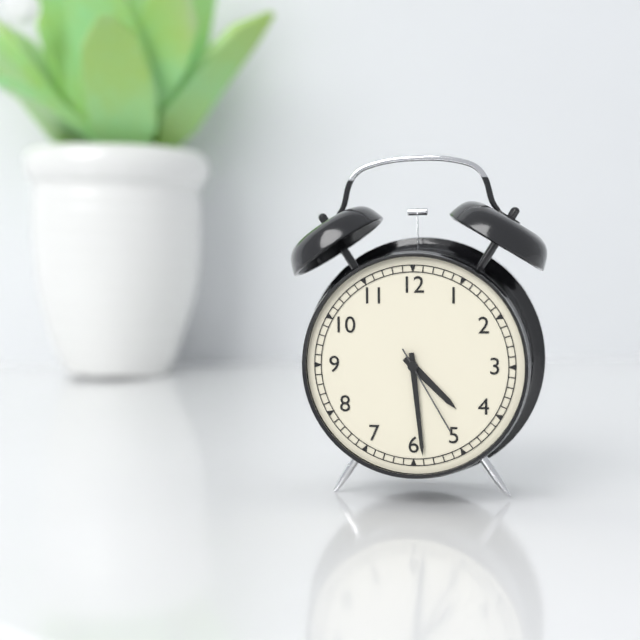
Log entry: 4 h 29 min 25 s
